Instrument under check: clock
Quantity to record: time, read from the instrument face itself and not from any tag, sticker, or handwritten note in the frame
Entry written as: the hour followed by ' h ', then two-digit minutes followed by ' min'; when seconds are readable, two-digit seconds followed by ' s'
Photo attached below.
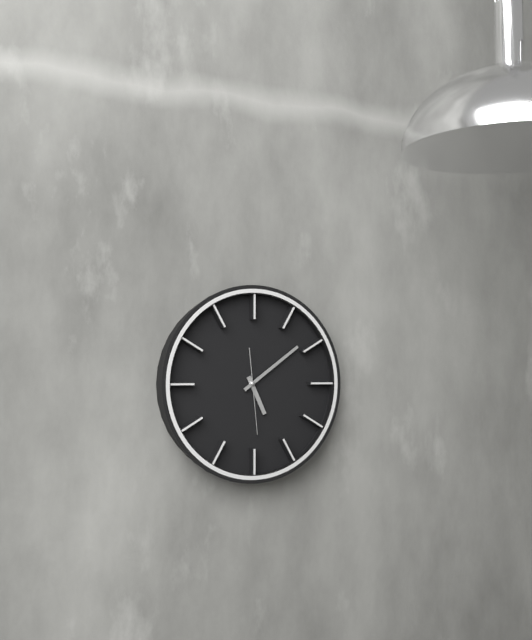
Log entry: 5 h 09 min 29 s
